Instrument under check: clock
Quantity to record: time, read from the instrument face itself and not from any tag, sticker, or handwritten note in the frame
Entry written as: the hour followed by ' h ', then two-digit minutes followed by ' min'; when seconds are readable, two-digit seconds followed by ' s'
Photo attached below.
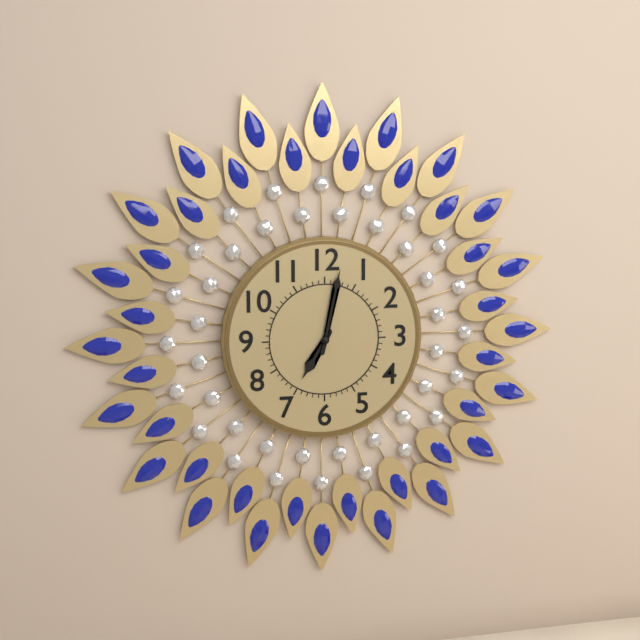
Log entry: 7 h 02 min
